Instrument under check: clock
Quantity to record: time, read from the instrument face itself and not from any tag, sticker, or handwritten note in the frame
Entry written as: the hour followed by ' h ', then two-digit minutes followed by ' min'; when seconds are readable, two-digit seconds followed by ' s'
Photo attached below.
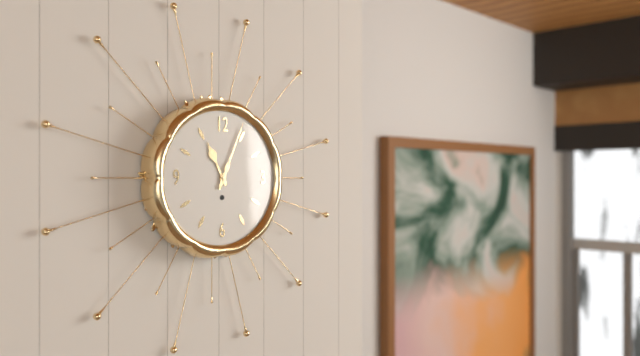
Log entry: 11 h 04 min
